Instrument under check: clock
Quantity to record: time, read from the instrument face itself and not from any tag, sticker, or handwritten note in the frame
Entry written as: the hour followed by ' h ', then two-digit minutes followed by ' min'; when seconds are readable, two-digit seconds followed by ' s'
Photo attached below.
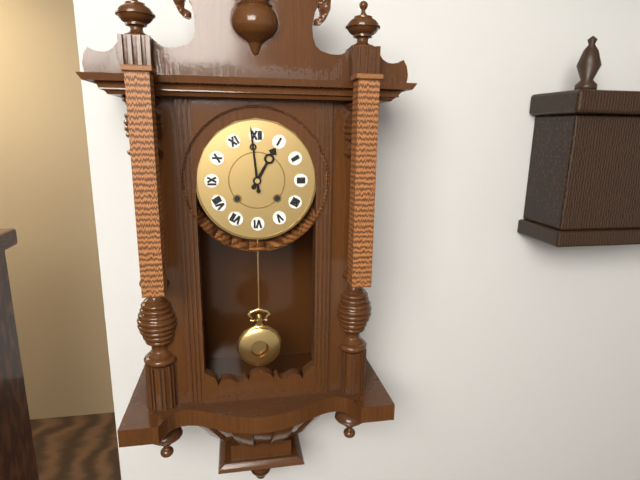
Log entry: 12 h 59 min
